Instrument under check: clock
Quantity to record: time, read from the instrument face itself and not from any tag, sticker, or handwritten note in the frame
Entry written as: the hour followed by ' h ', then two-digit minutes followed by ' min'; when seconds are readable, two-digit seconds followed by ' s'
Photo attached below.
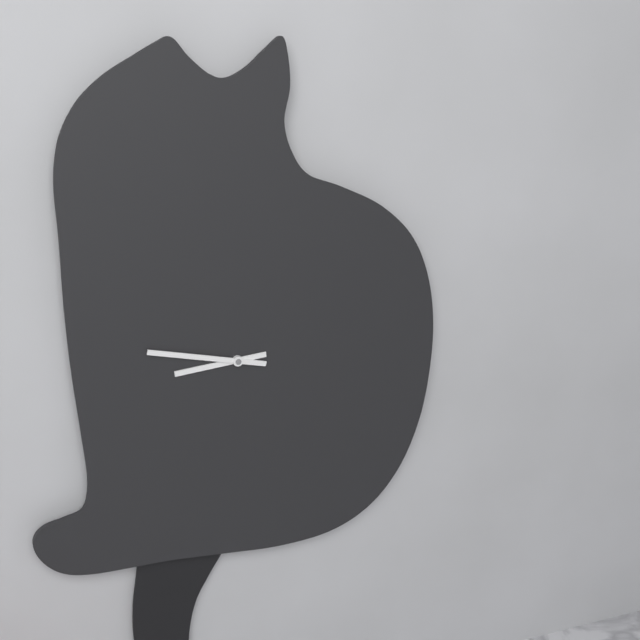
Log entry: 8 h 47 min
